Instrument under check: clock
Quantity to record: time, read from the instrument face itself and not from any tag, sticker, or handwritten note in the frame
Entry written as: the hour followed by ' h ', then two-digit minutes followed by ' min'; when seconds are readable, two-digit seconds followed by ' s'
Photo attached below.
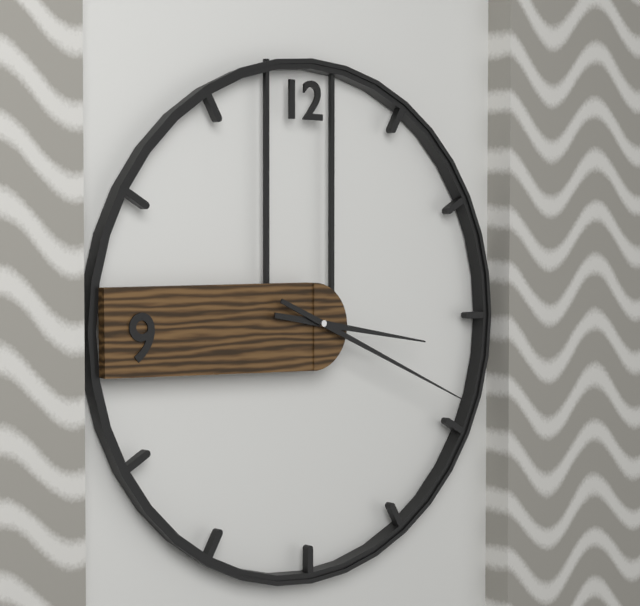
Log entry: 3 h 19 min
